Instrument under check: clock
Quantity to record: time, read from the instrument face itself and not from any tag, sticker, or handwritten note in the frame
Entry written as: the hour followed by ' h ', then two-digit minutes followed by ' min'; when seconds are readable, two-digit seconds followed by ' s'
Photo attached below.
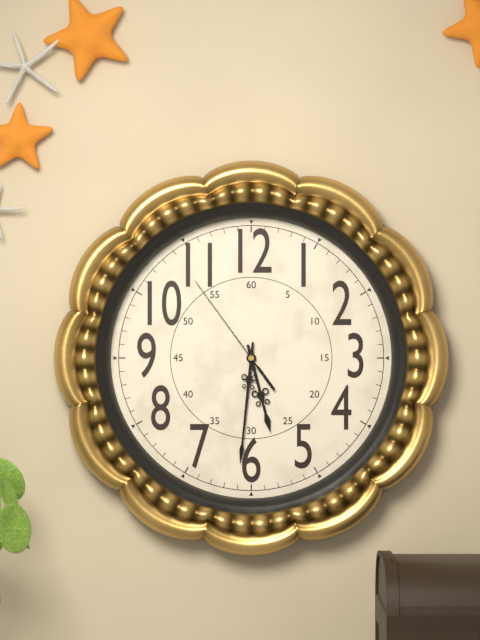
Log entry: 5 h 31 min 54 s
